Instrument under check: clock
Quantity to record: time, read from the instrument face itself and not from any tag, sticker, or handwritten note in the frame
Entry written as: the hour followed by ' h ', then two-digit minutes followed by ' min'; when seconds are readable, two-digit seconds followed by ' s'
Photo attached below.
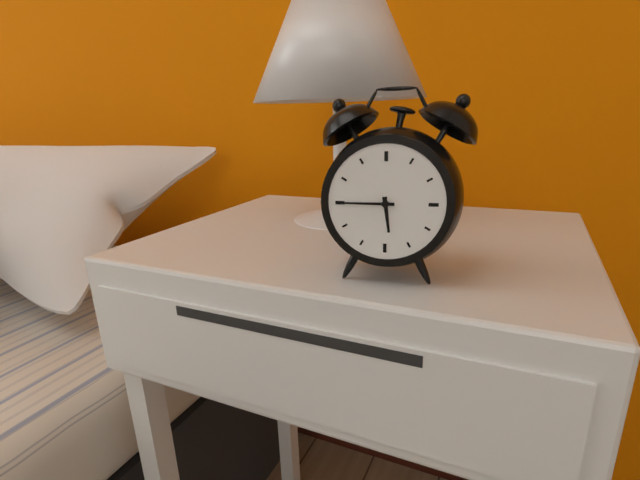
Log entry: 5 h 45 min
